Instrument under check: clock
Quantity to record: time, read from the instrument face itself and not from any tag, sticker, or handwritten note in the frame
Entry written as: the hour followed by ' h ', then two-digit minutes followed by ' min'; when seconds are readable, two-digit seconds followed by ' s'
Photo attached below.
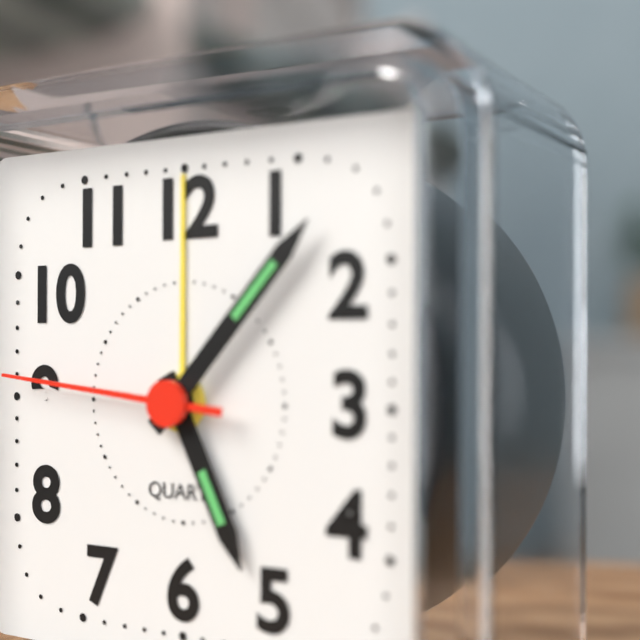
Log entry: 5 h 07 min 46 s
